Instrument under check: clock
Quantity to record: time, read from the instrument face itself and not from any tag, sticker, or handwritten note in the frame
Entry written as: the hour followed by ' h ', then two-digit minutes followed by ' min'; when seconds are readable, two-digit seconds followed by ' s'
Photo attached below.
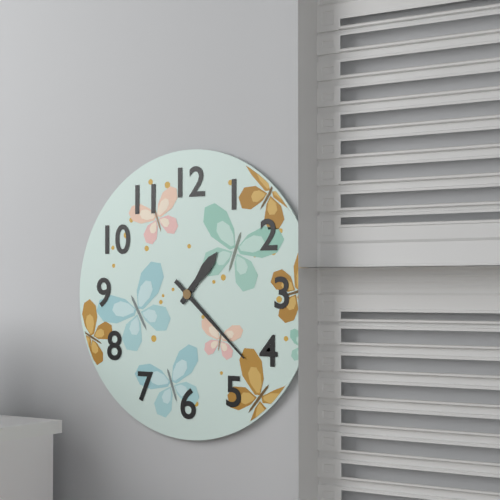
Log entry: 1 h 22 min
